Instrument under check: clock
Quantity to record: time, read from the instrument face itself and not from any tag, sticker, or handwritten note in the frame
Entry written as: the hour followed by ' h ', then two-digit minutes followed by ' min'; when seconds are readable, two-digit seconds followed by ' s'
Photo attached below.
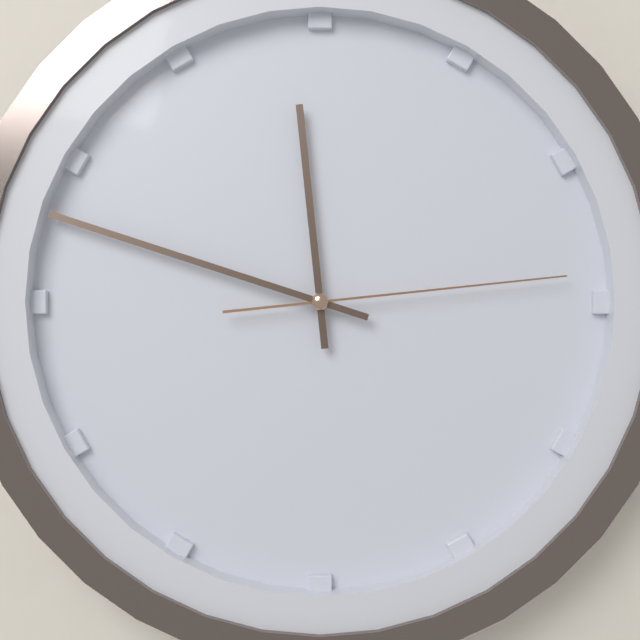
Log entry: 11 h 48 min 14 s
